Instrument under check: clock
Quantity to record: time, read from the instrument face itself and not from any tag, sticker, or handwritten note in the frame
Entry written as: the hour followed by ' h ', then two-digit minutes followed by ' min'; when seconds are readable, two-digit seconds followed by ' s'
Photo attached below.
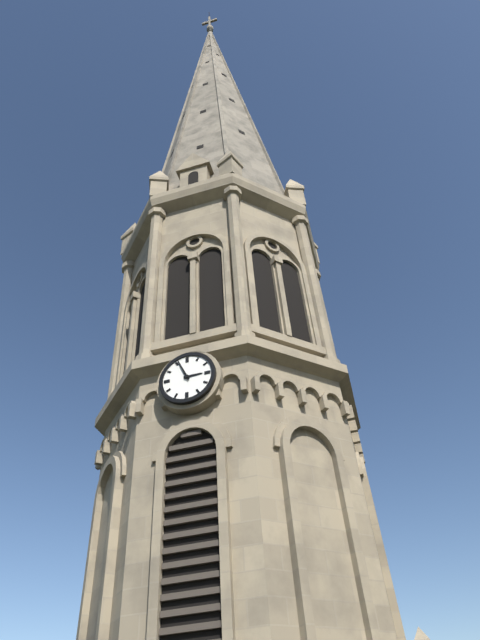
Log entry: 2 h 56 min
